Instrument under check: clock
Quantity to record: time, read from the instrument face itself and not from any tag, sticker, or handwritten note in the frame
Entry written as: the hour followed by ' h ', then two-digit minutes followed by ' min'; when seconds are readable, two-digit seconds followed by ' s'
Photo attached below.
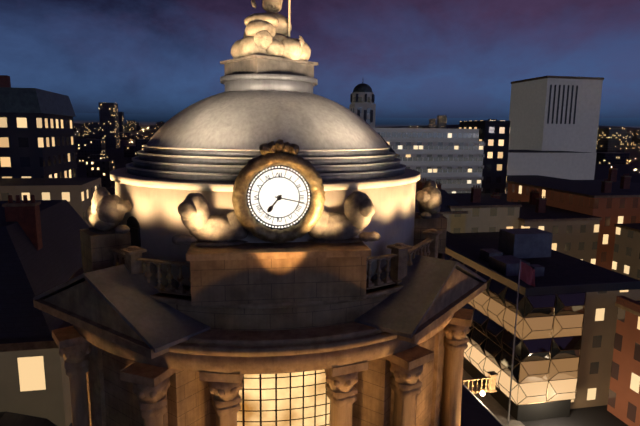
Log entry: 7 h 17 min
